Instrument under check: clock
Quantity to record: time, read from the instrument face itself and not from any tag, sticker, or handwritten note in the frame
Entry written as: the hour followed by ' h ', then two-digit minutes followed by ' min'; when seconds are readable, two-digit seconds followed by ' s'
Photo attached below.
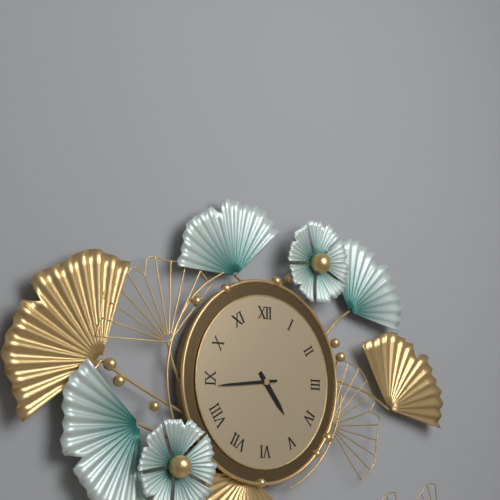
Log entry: 4 h 44 min
